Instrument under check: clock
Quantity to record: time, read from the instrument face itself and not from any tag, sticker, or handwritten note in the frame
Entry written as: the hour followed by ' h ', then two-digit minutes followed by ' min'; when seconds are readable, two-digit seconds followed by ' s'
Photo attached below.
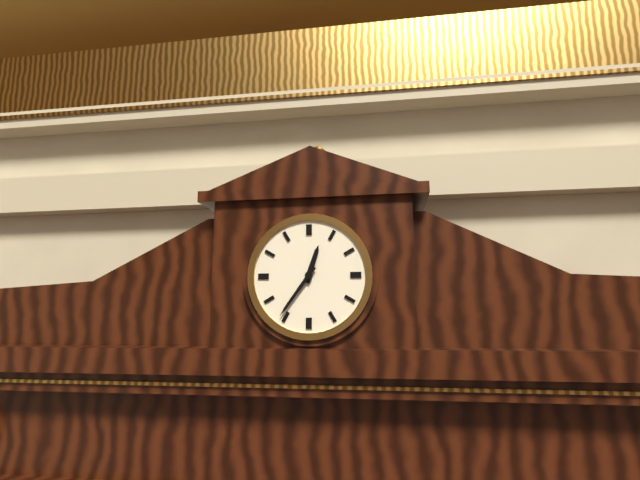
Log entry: 12 h 36 min
